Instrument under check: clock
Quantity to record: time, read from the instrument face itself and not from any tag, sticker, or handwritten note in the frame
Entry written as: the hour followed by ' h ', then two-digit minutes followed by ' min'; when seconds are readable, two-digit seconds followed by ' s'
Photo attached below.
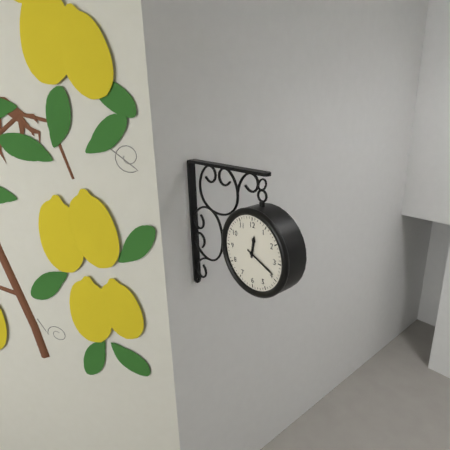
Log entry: 12 h 19 min
